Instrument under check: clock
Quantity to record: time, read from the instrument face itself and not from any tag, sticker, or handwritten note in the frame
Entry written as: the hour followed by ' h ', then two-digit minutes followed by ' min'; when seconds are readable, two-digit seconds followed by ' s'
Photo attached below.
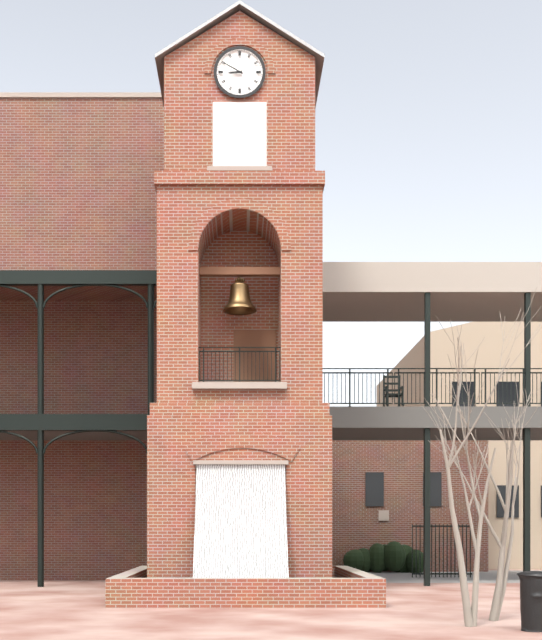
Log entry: 8 h 50 min
